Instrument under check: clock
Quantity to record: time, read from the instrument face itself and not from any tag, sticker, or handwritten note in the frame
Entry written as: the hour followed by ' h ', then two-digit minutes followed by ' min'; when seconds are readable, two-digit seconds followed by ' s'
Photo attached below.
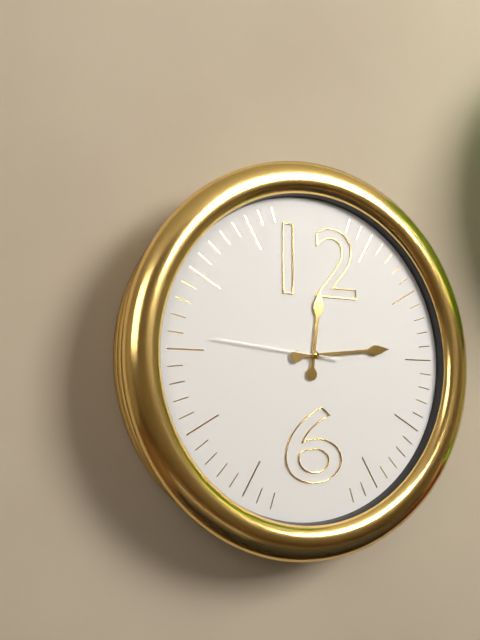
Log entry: 12 h 14 min 46 s
